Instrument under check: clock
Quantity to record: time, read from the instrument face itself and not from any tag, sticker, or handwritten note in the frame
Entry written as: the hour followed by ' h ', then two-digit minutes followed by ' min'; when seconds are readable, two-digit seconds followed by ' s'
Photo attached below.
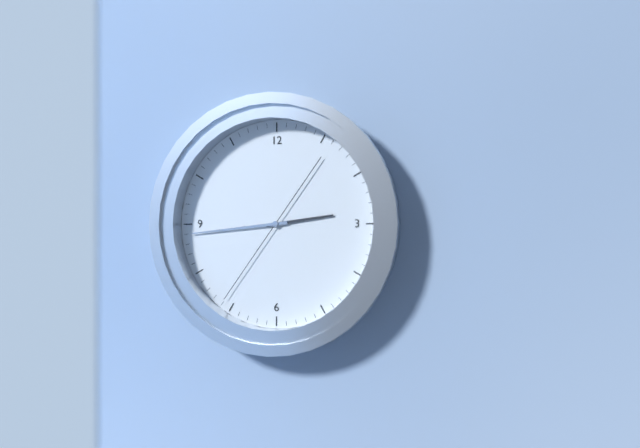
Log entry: 2 h 44 min 36 s
